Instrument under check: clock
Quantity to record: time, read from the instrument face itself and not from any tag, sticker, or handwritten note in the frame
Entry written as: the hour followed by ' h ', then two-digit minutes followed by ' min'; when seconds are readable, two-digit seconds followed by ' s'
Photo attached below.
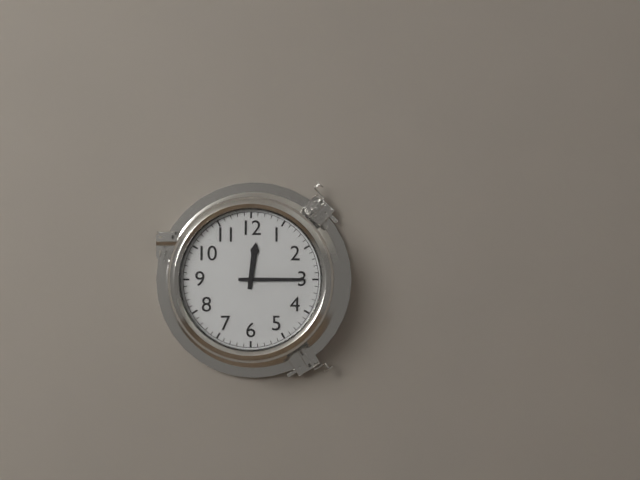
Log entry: 12 h 15 min
